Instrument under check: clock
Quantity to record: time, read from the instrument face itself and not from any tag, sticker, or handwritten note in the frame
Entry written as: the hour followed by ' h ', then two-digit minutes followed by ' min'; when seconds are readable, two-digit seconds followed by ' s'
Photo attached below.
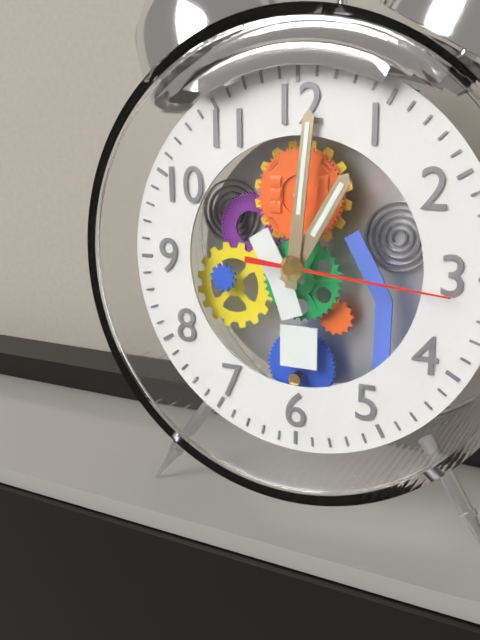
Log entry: 1 h 01 min 16 s
